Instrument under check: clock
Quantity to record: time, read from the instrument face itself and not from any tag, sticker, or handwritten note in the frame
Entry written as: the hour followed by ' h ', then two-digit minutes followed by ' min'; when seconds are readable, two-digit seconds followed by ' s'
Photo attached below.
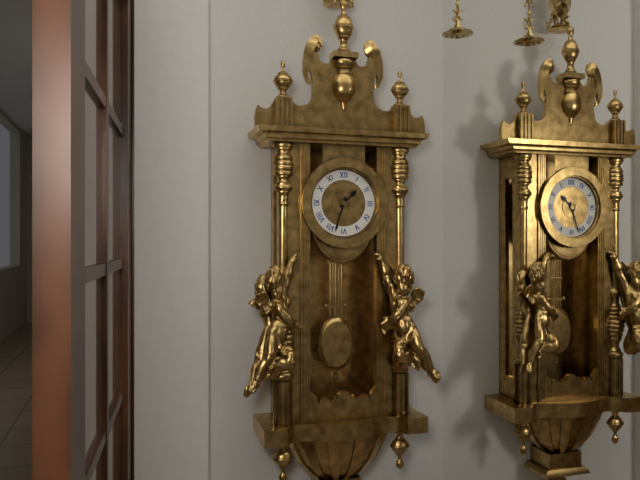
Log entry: 1 h 33 min
